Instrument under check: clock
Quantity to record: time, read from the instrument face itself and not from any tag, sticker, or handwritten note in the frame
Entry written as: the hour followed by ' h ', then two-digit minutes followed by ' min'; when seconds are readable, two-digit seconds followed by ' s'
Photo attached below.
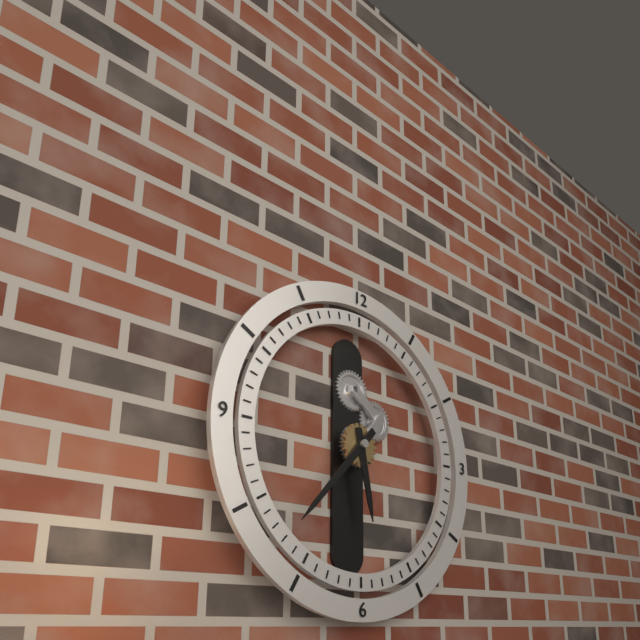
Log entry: 5 h 37 min
